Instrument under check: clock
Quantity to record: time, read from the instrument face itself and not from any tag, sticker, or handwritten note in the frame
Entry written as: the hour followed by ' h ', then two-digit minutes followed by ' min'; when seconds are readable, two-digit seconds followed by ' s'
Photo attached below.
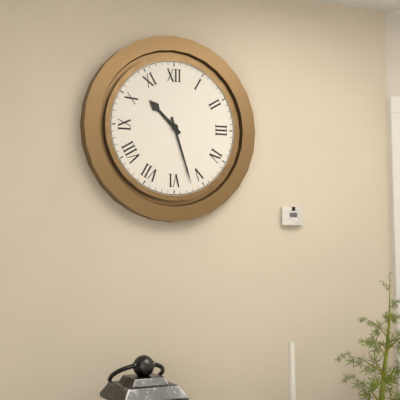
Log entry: 10 h 27 min
